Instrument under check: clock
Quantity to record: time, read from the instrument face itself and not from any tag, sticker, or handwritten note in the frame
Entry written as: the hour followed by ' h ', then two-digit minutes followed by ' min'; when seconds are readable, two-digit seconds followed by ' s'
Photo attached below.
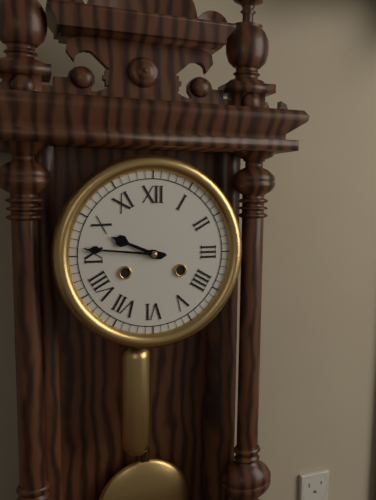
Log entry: 9 h 46 min
